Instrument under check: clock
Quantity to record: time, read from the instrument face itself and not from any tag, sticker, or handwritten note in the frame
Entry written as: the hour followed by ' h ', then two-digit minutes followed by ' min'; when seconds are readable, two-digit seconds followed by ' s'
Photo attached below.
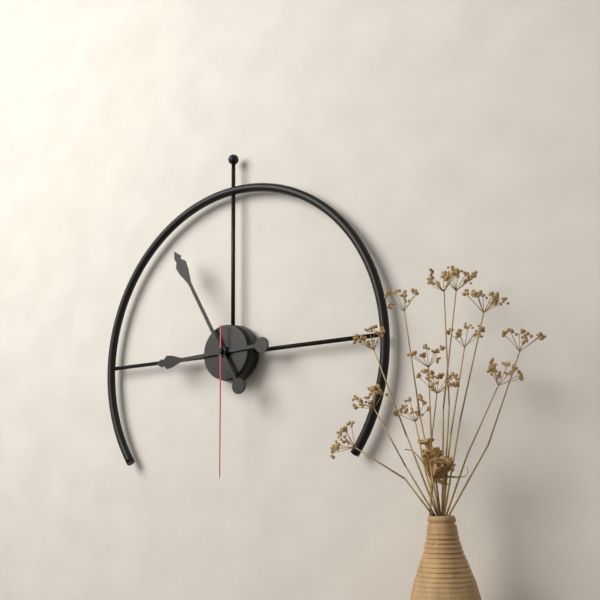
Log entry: 8 h 55 min 30 s
